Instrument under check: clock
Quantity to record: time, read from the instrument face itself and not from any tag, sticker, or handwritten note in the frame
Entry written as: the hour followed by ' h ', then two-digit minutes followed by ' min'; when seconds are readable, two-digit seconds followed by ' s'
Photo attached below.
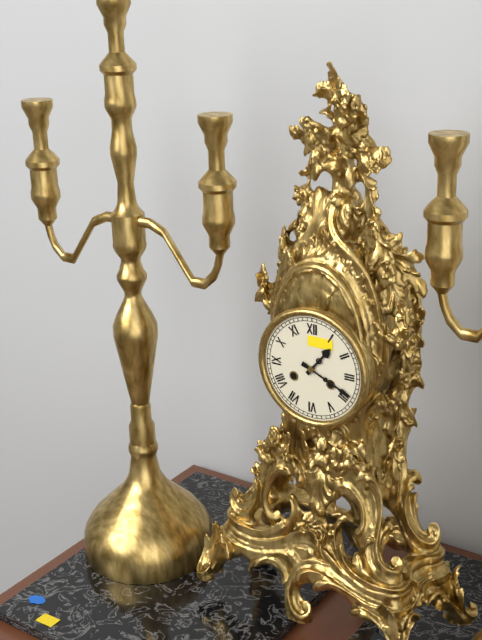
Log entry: 1 h 19 min
